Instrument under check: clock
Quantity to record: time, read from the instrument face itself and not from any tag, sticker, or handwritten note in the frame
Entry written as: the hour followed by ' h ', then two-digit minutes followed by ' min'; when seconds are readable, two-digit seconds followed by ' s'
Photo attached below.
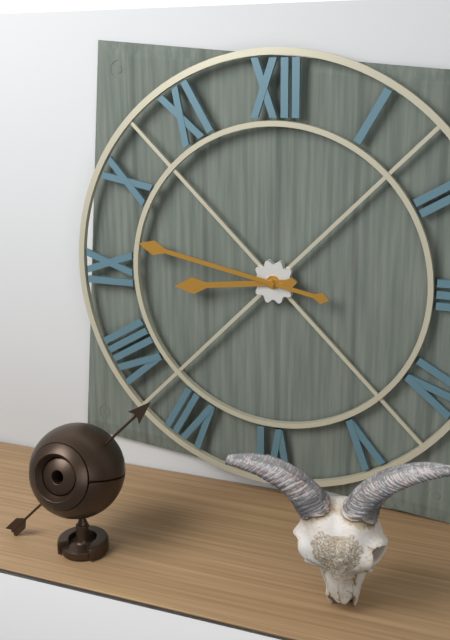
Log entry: 8 h 47 min
